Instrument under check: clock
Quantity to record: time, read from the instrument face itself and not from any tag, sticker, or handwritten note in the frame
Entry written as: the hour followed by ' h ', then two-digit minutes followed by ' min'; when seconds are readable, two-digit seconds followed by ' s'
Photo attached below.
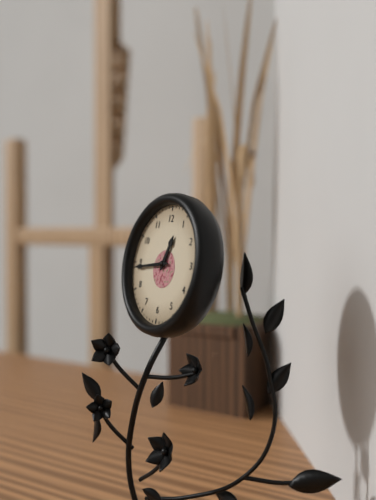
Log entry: 12 h 44 min
